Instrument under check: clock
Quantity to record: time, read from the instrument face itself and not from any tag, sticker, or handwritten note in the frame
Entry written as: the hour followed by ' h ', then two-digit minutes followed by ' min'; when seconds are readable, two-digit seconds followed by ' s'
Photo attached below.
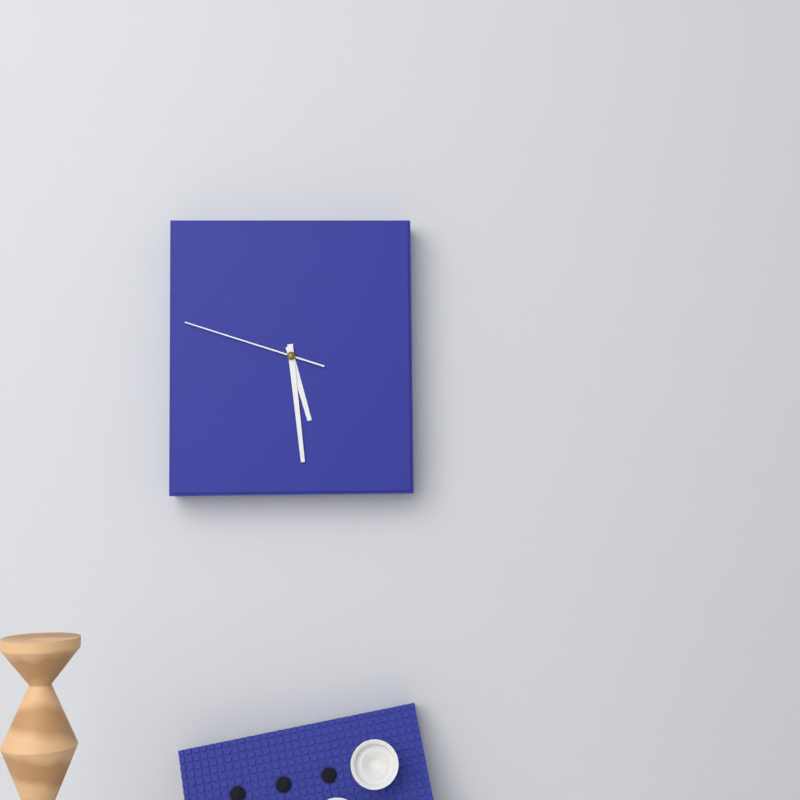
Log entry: 5 h 29 min 48 s
